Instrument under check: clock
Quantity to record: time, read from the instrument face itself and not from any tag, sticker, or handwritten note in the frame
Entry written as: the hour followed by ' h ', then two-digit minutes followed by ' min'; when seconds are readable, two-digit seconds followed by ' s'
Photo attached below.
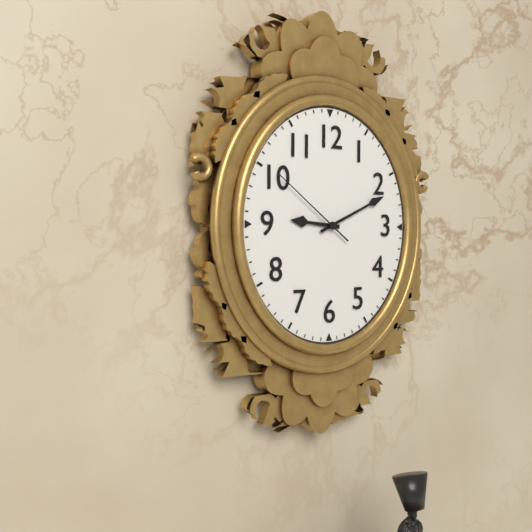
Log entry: 9 h 11 min 51 s
